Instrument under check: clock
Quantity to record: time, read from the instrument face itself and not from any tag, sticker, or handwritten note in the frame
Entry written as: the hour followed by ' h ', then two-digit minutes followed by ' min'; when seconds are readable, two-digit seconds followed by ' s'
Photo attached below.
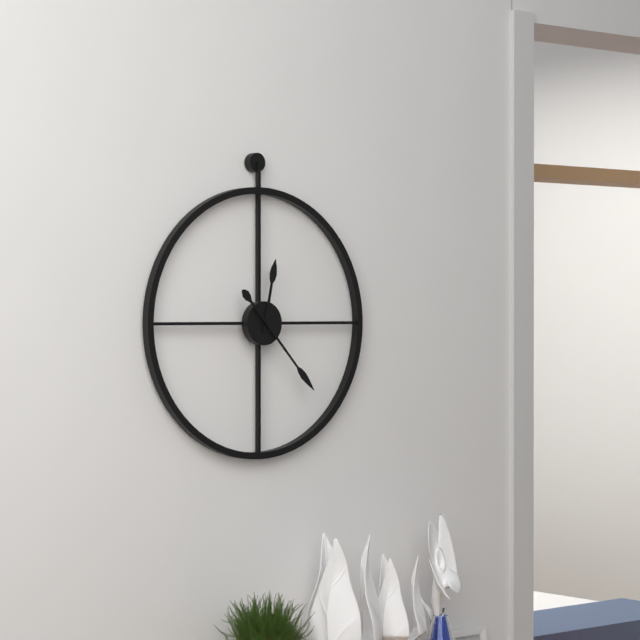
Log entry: 12 h 23 min
